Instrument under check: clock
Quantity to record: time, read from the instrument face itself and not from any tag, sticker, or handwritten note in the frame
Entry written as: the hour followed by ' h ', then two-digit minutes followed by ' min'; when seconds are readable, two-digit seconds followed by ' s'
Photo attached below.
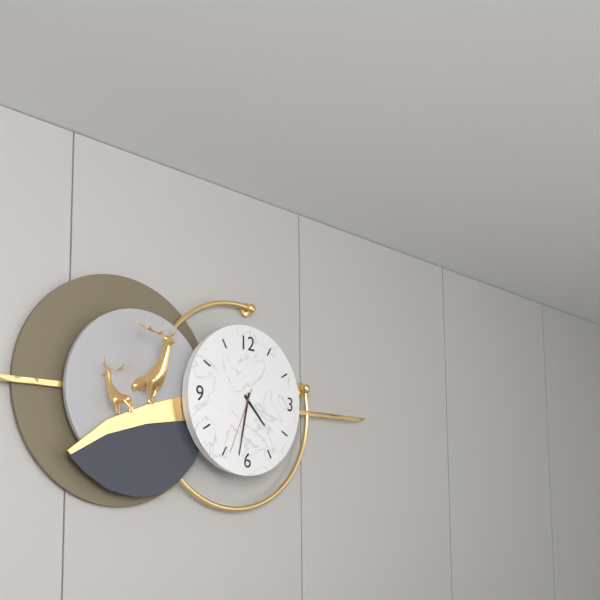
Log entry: 4 h 32 min 34 s
